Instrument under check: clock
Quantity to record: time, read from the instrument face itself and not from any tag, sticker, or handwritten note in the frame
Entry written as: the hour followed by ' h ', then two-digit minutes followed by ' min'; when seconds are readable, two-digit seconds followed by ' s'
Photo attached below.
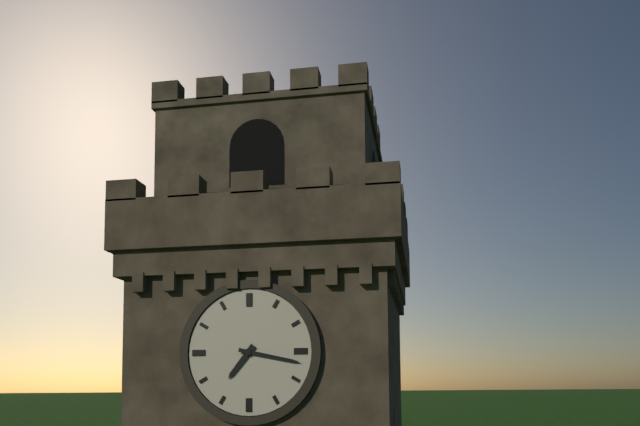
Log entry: 7 h 17 min
